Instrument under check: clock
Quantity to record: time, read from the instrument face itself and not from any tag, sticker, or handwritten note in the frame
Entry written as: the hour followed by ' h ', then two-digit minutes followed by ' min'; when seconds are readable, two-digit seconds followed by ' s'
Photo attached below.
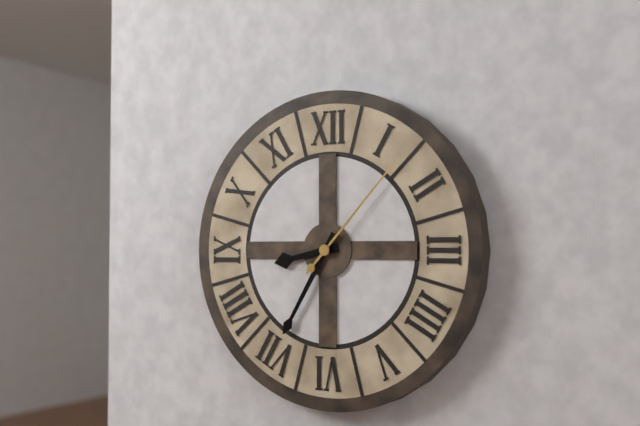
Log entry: 8 h 35 min 07 s
